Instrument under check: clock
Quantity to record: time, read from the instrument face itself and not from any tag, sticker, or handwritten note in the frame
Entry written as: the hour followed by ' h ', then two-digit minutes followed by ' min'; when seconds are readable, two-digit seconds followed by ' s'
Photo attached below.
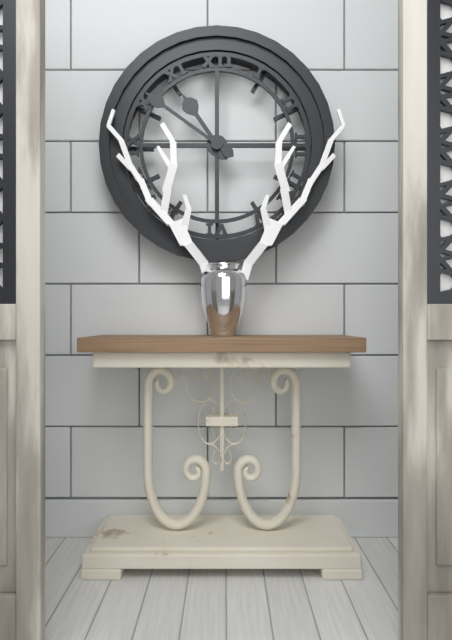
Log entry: 10 h 51 min
